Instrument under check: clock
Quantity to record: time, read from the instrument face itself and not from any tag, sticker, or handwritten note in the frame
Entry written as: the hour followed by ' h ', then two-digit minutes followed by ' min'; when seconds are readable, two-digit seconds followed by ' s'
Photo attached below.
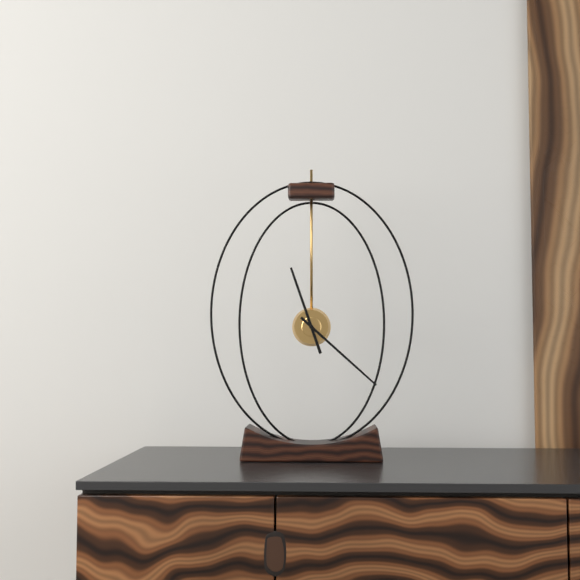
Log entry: 11 h 22 min
